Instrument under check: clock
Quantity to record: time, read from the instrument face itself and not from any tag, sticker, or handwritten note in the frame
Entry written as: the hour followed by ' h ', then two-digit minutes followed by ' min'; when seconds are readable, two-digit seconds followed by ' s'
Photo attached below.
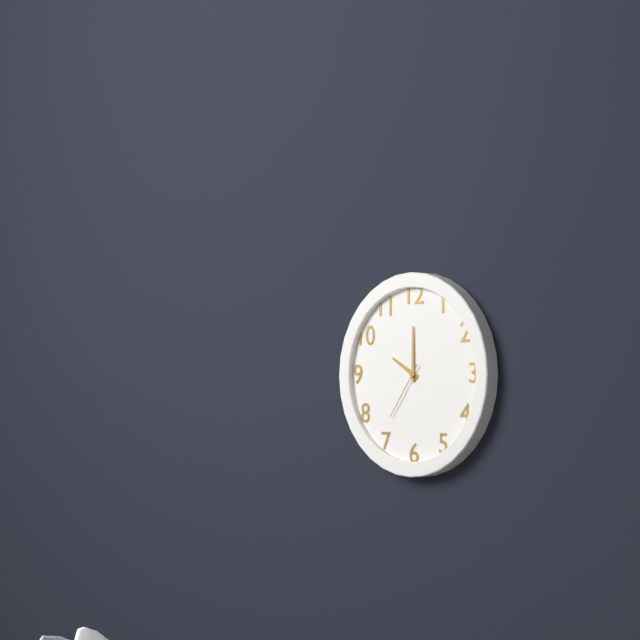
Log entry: 10 h 00 min 36 s
